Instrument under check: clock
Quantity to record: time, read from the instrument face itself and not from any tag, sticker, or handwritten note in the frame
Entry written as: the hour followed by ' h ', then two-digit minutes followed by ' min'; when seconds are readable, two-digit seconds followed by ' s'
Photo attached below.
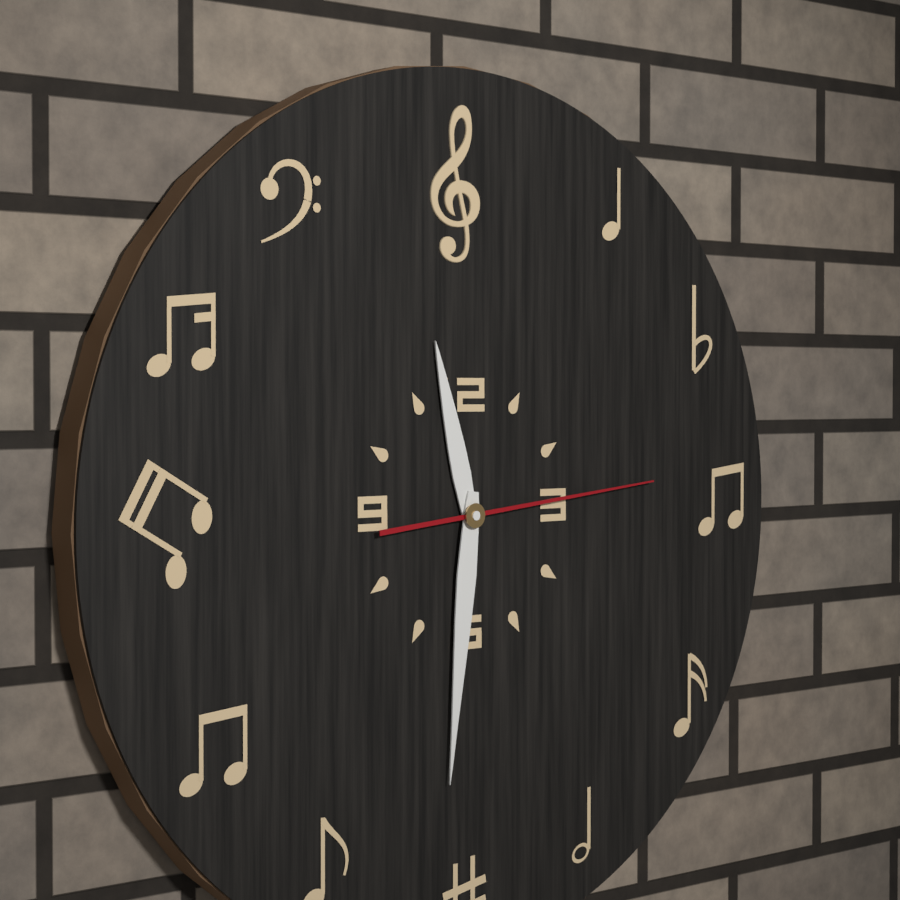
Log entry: 11 h 31 min 14 s
